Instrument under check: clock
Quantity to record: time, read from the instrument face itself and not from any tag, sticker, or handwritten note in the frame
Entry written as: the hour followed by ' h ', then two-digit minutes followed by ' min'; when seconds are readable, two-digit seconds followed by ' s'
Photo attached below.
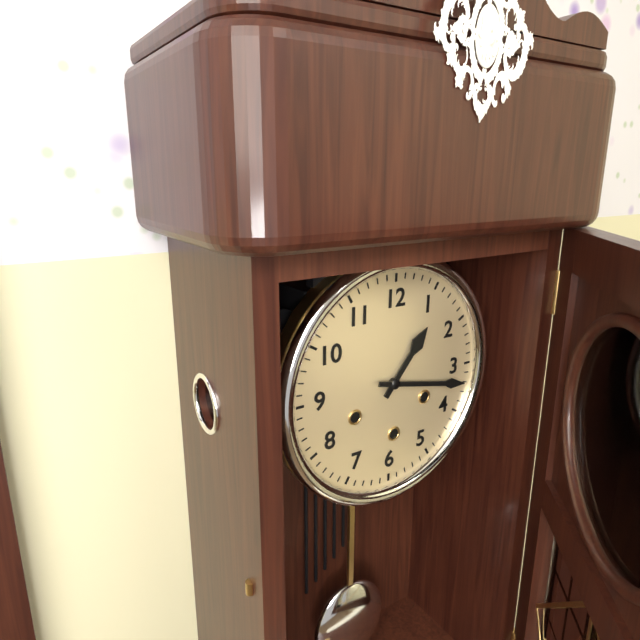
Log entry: 1 h 17 min
